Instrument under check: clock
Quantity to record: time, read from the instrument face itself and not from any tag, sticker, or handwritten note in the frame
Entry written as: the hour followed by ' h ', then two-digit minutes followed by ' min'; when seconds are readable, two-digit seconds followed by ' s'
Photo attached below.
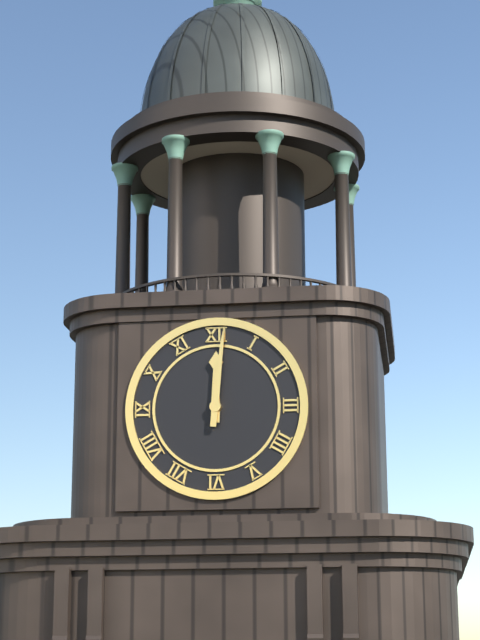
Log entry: 12 h 01 min
